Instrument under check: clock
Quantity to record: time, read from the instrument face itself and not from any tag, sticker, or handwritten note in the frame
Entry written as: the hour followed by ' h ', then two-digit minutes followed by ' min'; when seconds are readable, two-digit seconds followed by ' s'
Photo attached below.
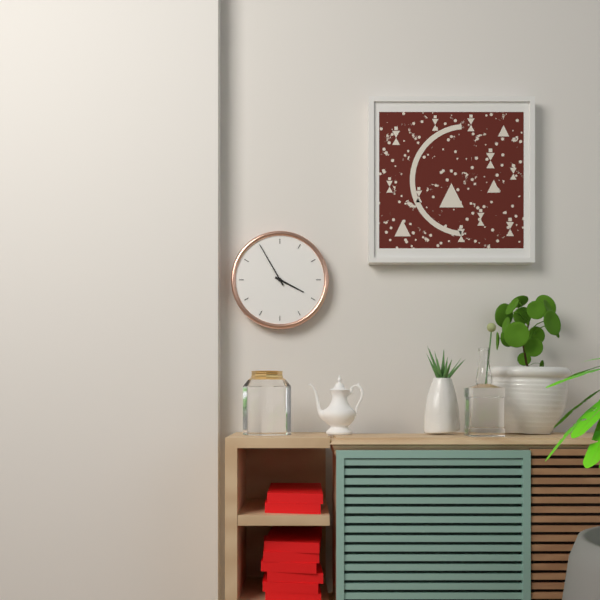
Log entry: 3 h 55 min
